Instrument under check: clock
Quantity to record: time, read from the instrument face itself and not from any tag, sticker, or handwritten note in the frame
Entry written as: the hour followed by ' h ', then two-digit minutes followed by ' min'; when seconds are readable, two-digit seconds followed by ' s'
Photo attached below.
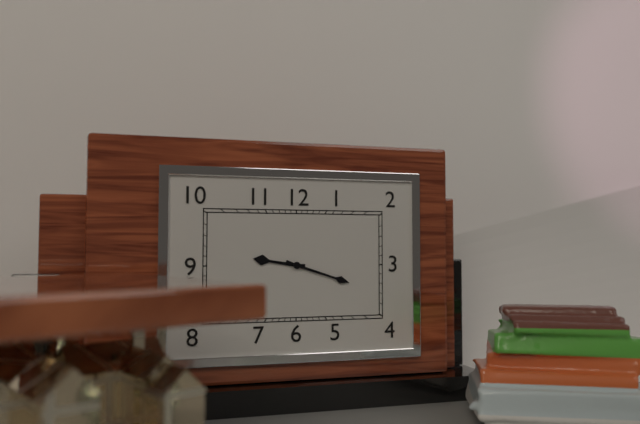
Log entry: 9 h 18 min
